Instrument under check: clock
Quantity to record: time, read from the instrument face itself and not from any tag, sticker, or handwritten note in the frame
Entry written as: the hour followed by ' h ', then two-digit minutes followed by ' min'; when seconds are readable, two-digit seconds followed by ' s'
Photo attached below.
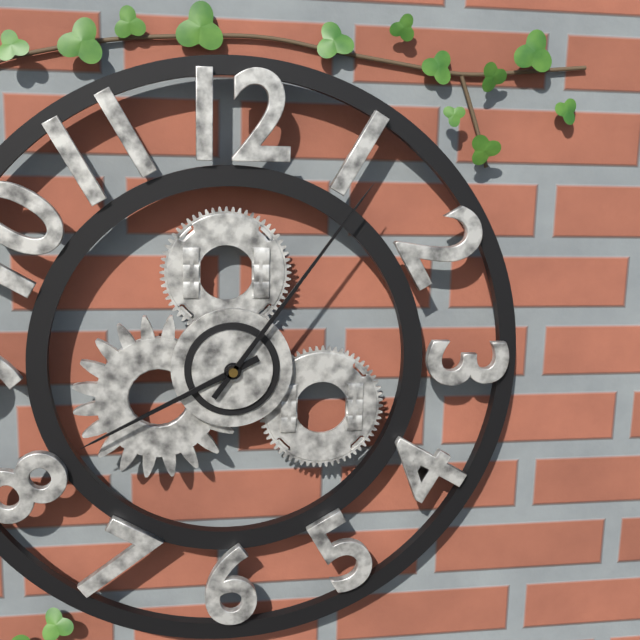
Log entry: 8 h 06 min
